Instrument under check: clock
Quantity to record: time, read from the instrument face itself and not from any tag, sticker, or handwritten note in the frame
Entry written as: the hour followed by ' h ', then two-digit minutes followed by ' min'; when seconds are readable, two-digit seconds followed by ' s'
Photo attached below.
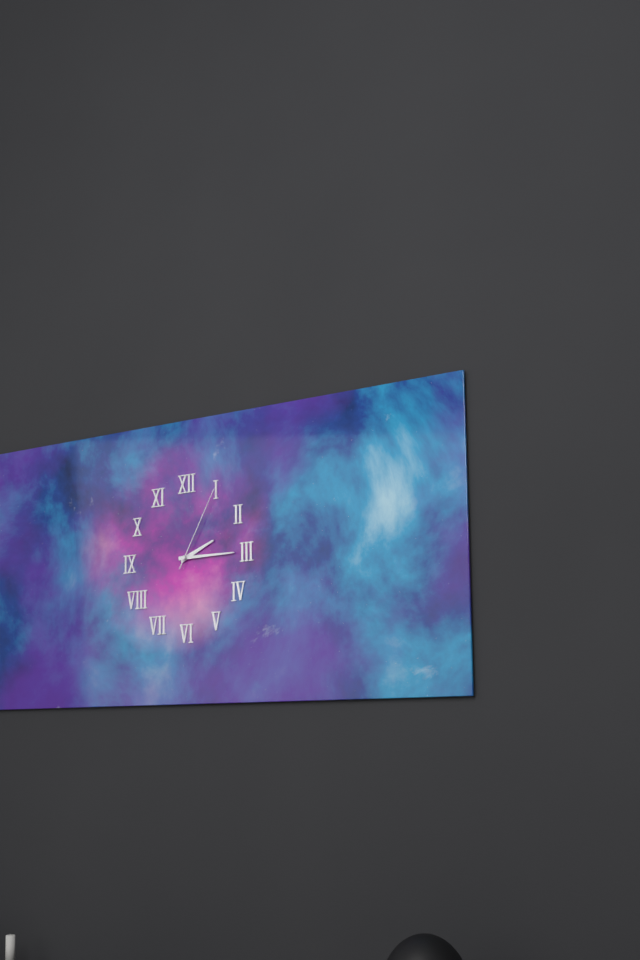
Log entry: 2 h 15 min 05 s
